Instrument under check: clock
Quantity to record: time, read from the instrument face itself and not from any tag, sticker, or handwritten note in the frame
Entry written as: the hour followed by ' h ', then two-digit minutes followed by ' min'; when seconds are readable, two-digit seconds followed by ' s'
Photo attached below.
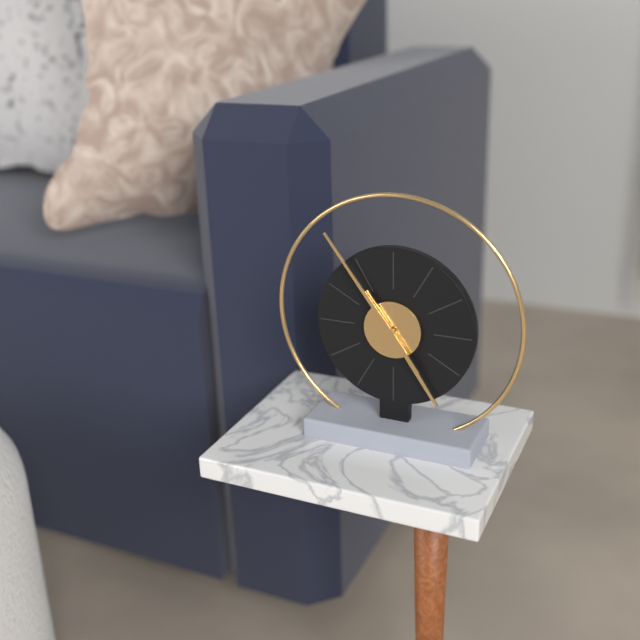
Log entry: 4 h 54 min
